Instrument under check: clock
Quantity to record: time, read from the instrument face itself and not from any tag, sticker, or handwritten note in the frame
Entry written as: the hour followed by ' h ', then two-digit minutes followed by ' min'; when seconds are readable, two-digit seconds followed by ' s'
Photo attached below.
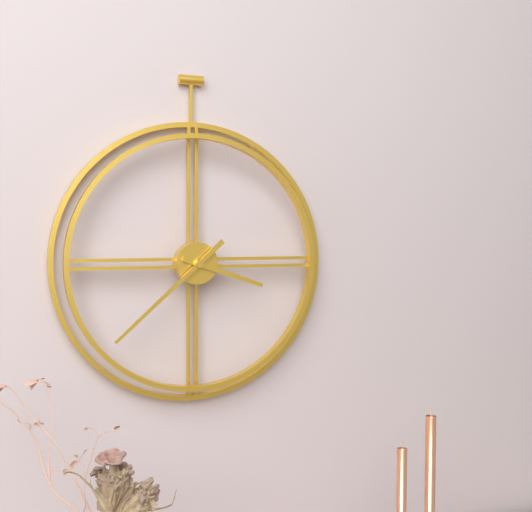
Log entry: 3 h 38 min
